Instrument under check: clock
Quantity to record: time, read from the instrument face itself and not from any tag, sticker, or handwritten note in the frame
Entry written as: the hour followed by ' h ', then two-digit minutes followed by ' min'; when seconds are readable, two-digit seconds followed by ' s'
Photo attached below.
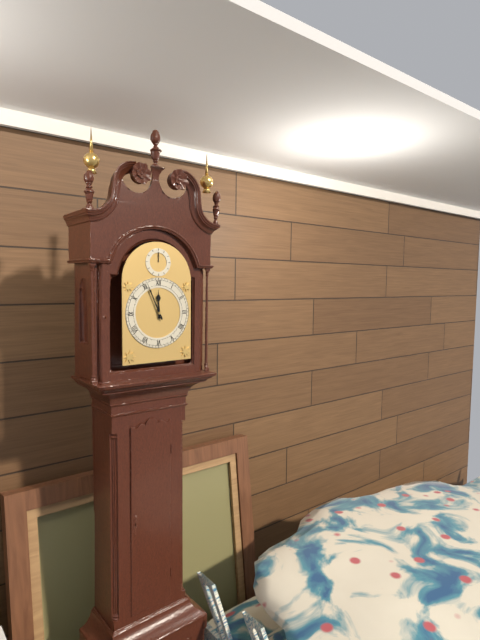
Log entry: 11 h 56 min
